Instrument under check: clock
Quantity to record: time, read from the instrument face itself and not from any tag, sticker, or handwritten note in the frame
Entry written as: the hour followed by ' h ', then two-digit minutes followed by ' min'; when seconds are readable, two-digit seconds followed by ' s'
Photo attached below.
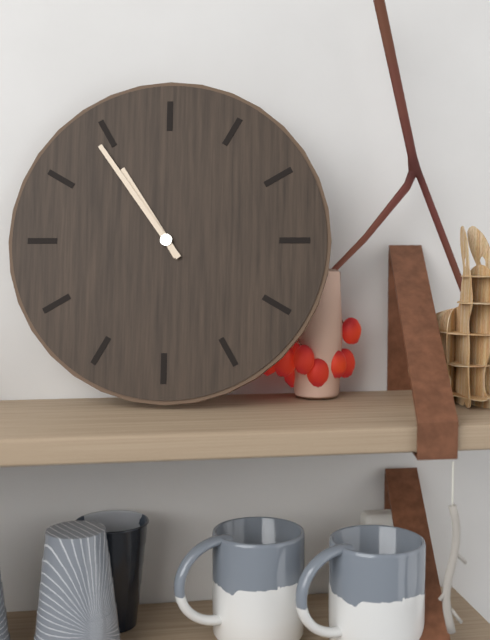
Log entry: 10 h 54 min
